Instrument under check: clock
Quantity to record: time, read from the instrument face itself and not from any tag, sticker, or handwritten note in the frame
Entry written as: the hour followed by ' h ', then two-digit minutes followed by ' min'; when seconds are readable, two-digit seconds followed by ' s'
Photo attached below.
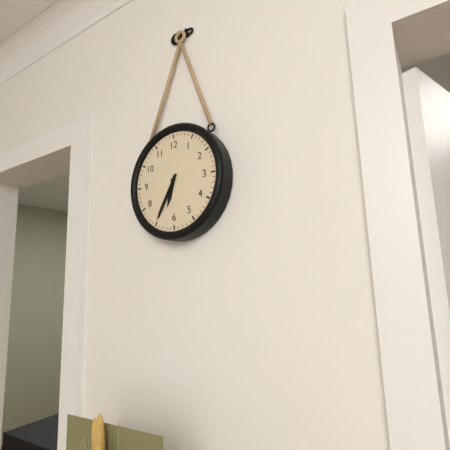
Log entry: 6 h 35 min
